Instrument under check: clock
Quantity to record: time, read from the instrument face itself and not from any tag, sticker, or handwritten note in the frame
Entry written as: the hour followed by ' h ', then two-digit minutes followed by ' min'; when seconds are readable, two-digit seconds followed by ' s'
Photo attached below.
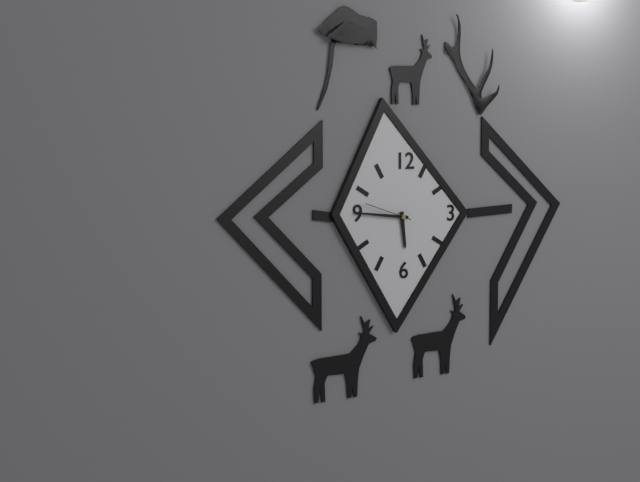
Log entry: 5 h 46 min
